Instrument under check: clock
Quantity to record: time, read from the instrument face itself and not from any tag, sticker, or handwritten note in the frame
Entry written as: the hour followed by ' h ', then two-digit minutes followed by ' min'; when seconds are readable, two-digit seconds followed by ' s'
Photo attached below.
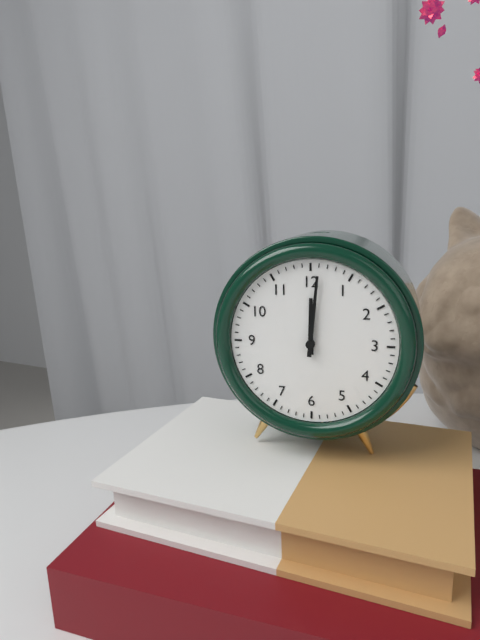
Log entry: 12 h 01 min
